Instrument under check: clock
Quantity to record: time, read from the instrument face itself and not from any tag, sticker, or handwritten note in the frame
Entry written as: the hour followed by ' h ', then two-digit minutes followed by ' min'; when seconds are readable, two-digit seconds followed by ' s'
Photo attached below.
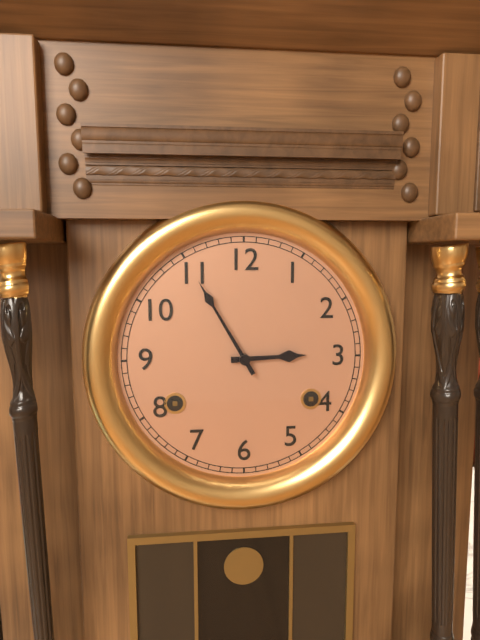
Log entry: 2 h 55 min
